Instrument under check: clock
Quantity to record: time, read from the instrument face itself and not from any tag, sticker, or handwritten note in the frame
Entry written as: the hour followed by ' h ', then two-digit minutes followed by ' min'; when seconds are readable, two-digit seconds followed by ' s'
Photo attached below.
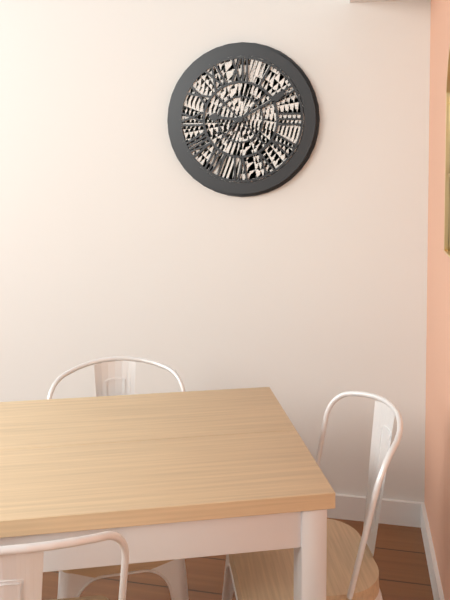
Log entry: 9 h 10 min
